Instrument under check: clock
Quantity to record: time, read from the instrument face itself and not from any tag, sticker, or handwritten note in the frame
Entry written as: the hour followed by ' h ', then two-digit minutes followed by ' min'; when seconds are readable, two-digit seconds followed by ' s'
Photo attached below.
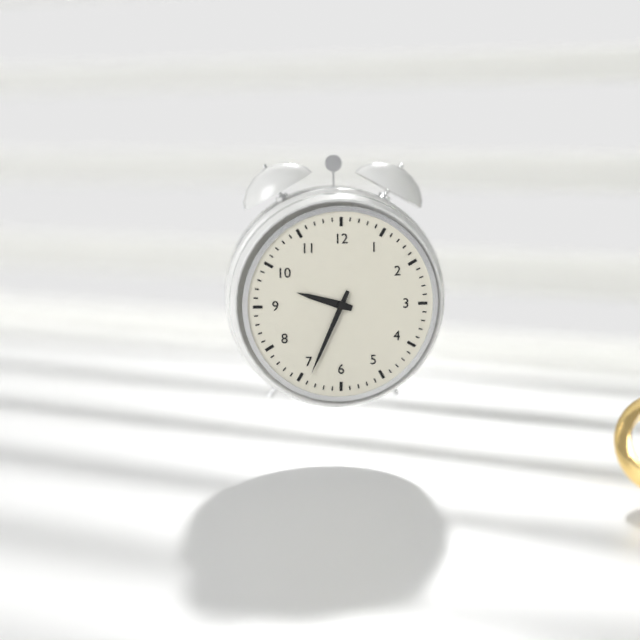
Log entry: 9 h 34 min
